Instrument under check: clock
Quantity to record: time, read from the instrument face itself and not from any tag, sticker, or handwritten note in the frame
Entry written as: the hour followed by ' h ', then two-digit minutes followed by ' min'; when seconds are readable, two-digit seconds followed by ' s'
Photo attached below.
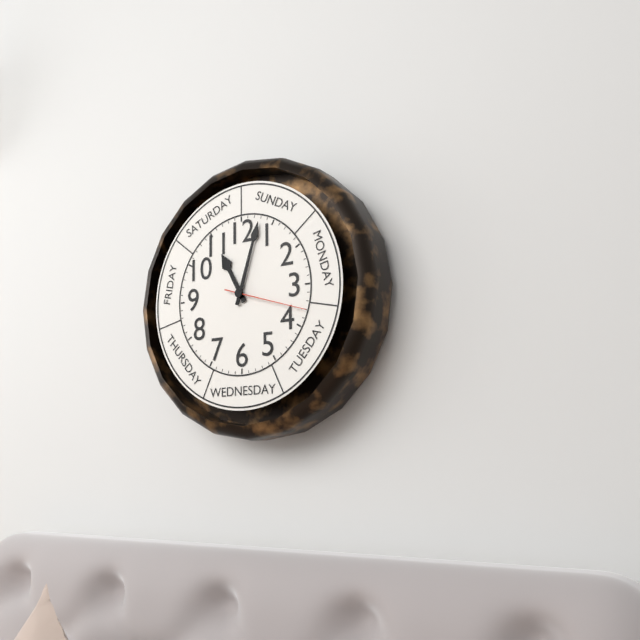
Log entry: 11 h 03 min 18 s
